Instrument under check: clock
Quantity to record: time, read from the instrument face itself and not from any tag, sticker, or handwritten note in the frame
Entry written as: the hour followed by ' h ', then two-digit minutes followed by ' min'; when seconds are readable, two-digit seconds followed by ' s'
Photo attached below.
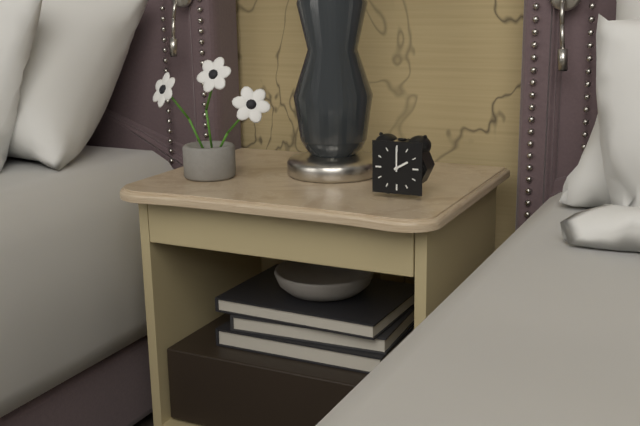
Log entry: 2 h 00 min
